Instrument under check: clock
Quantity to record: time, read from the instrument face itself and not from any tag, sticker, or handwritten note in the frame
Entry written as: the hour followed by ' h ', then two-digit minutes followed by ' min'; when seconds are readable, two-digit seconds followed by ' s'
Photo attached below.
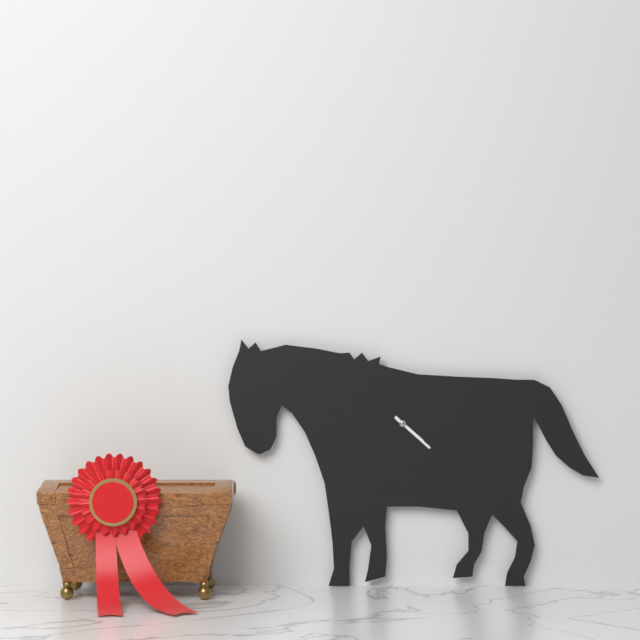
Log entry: 4 h 22 min
